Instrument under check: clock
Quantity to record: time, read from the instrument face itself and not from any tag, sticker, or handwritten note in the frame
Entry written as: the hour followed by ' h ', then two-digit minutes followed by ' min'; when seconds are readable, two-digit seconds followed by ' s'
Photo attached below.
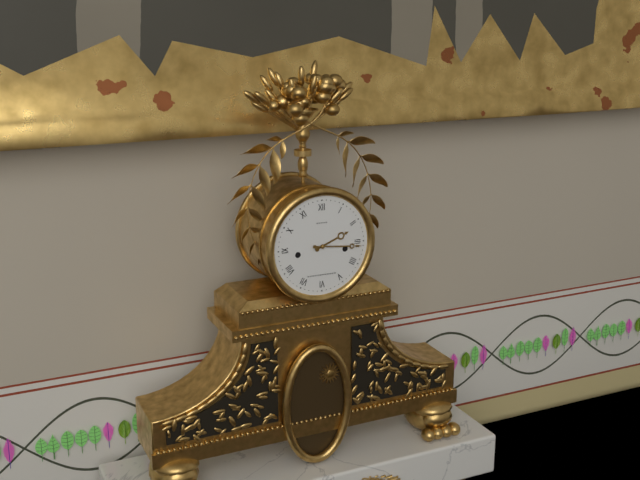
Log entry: 2 h 16 min
